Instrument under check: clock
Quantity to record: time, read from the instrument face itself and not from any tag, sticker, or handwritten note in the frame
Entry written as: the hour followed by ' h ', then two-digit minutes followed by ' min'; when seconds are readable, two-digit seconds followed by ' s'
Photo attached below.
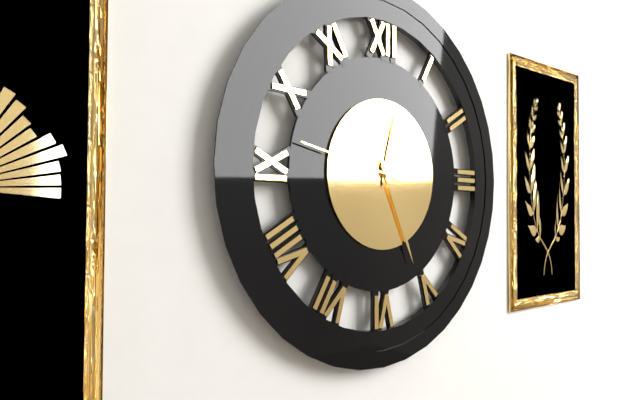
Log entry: 12 h 26 min 47 s
